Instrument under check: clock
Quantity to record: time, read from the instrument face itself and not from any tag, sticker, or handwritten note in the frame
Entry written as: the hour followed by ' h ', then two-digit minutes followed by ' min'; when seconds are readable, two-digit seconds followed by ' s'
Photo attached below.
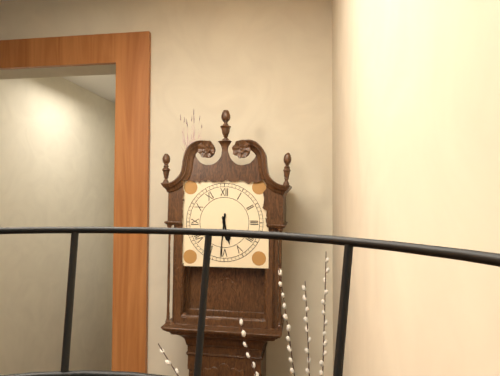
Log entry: 5 h 31 min
